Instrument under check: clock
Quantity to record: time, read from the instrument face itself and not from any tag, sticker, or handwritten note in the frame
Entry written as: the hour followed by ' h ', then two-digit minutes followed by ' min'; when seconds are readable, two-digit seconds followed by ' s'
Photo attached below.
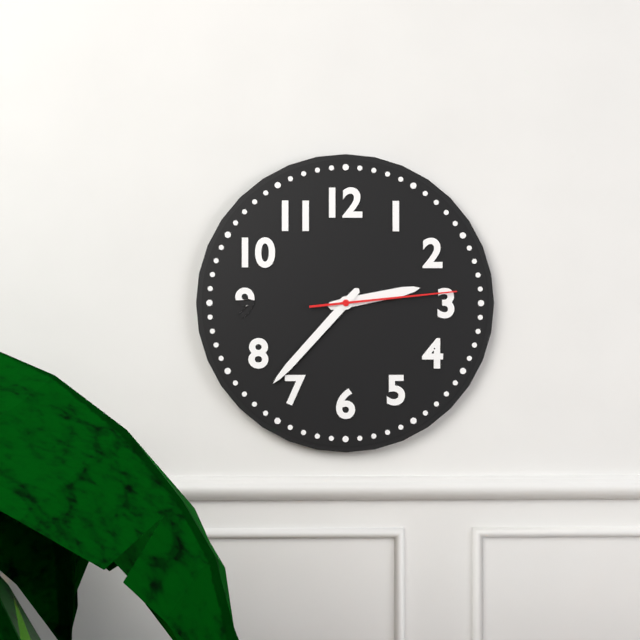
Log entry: 2 h 37 min 14 s
